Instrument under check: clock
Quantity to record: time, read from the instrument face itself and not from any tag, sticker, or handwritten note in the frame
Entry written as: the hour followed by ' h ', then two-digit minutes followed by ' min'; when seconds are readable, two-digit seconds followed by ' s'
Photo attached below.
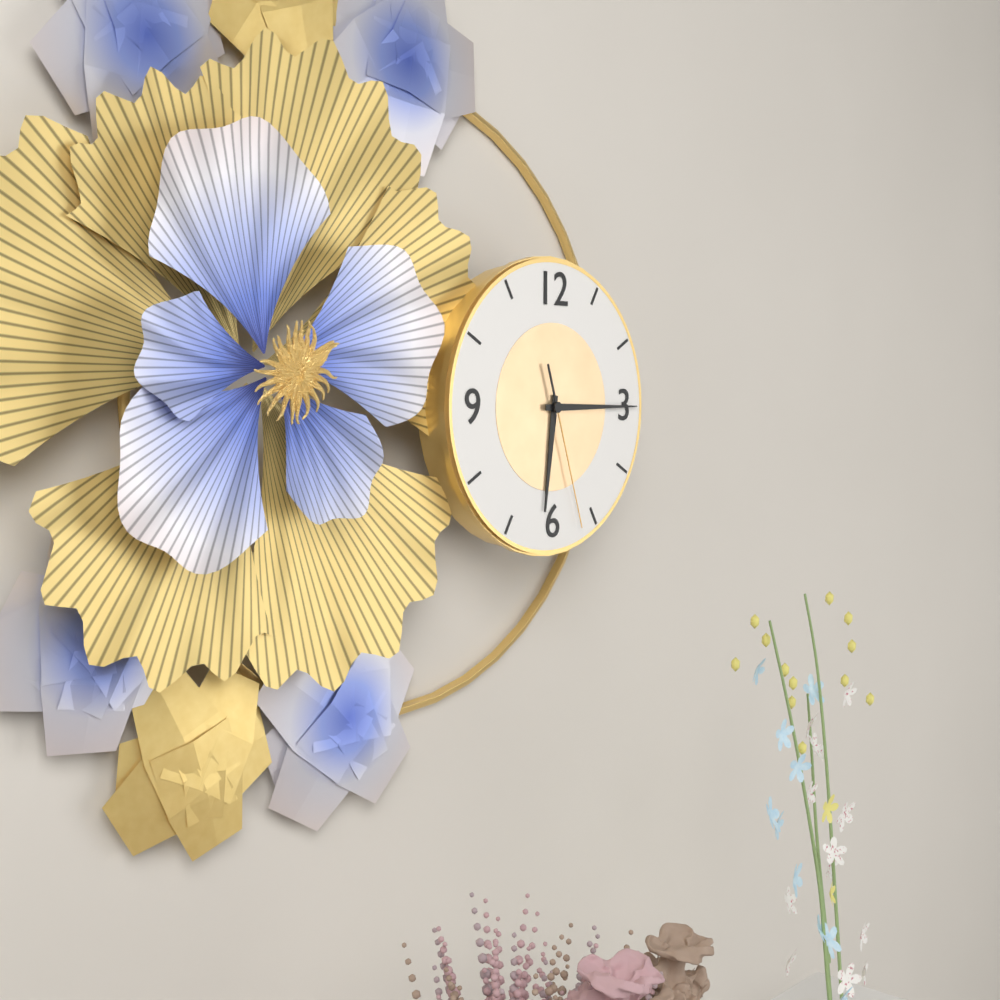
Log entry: 6 h 15 min 27 s
